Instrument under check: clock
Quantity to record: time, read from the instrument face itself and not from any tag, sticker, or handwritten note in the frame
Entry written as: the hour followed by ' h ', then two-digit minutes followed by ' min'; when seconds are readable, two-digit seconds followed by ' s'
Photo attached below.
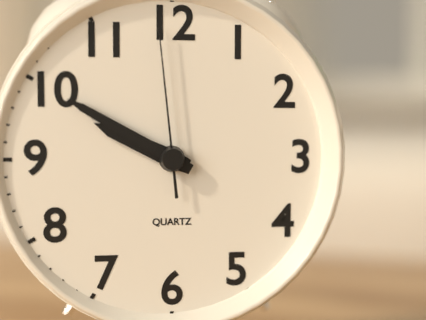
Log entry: 9 h 50 min 59 s
